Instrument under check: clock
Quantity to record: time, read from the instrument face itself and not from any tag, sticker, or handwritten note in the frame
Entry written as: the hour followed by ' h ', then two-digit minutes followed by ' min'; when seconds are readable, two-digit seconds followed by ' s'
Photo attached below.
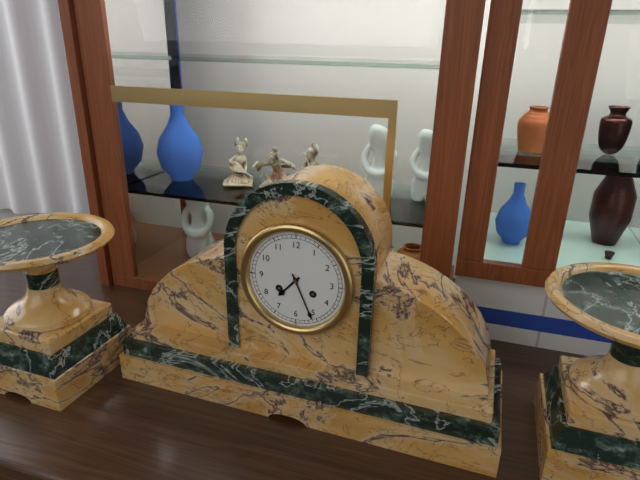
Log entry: 7 h 26 min
